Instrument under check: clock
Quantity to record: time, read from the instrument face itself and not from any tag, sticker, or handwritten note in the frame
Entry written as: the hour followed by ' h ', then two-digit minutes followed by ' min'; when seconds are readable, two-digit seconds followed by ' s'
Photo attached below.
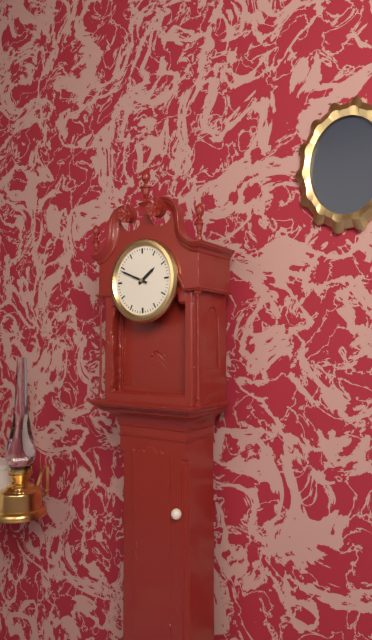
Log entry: 1 h 49 min
